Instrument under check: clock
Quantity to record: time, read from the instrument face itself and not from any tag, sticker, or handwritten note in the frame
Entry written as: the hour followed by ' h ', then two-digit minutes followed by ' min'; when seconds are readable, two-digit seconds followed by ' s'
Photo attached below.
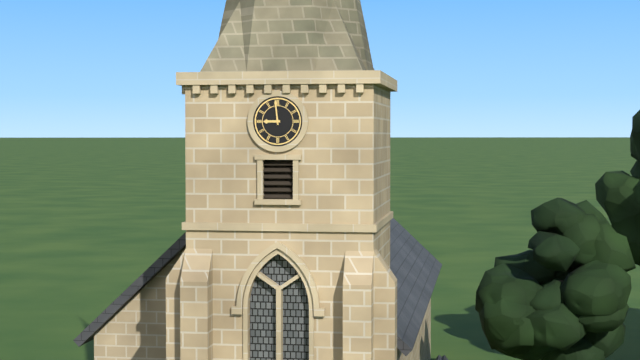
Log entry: 8 h 59 min
